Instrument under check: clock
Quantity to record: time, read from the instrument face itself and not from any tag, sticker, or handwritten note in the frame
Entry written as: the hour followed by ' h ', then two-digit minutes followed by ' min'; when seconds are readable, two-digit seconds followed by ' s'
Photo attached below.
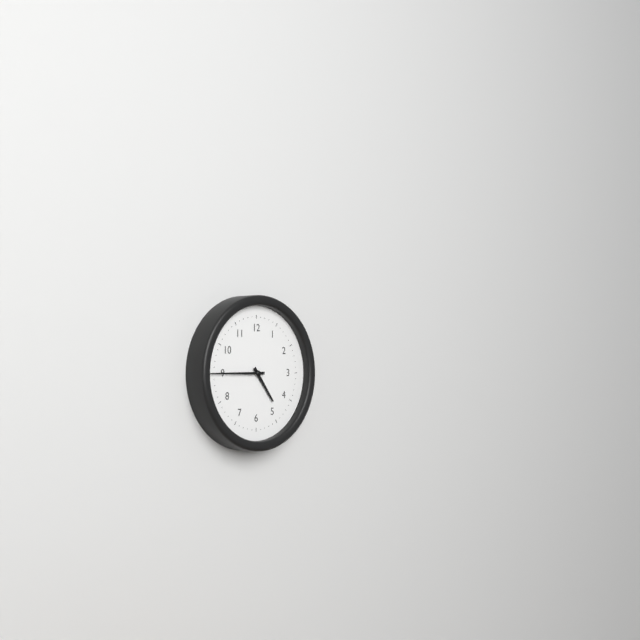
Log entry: 4 h 45 min
